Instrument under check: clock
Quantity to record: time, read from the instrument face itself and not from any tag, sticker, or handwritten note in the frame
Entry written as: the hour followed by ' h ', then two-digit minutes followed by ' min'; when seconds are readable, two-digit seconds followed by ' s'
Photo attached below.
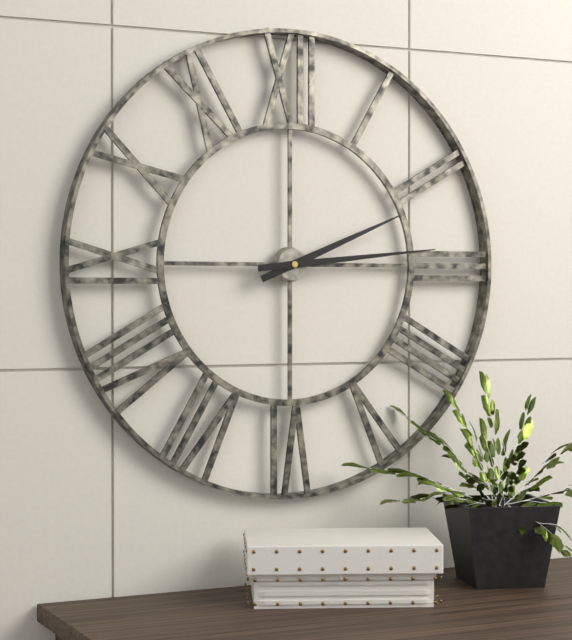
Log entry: 2 h 14 min
